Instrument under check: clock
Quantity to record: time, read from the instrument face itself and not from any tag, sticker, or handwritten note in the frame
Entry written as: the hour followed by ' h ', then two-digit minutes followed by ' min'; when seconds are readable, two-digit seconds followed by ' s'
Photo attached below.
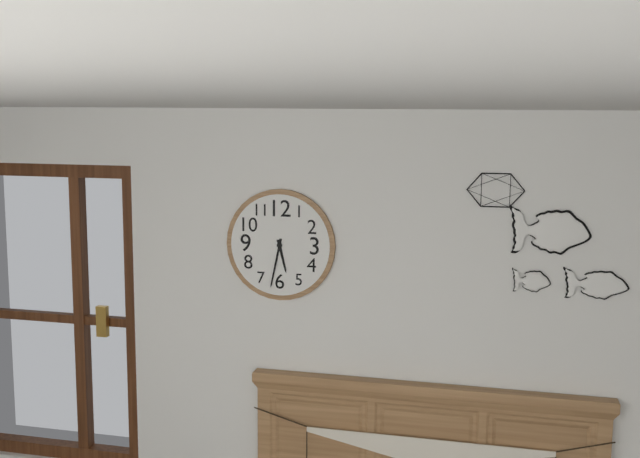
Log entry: 5 h 32 min
